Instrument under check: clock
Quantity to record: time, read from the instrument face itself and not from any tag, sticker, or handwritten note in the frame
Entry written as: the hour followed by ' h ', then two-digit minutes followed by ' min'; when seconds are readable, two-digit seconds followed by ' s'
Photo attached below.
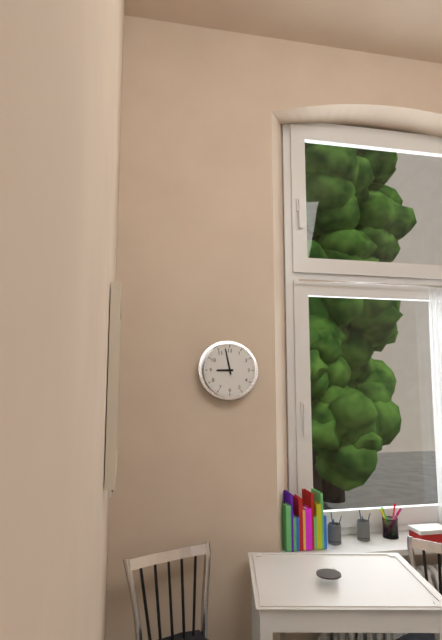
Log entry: 8 h 58 min
